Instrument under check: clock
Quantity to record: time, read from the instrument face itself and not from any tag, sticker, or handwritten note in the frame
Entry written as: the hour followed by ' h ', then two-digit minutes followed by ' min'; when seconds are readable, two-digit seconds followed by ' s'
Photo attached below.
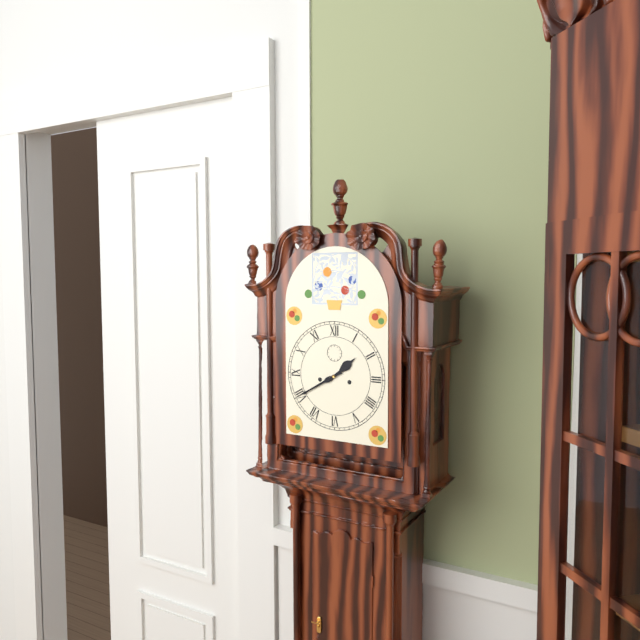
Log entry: 1 h 40 min
